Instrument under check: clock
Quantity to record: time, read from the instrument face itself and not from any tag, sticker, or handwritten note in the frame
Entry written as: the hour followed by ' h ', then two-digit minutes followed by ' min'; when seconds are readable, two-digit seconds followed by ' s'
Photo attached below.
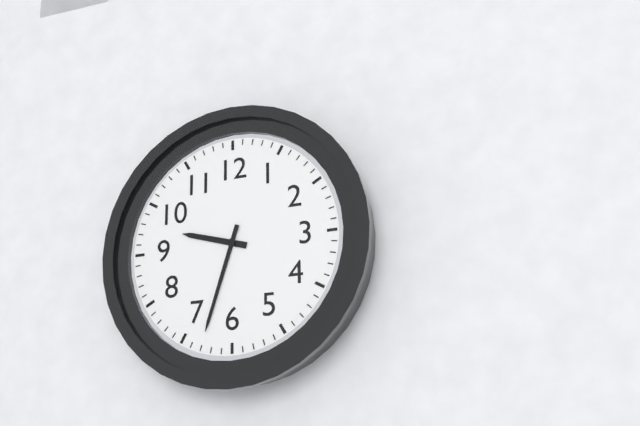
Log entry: 9 h 33 min
